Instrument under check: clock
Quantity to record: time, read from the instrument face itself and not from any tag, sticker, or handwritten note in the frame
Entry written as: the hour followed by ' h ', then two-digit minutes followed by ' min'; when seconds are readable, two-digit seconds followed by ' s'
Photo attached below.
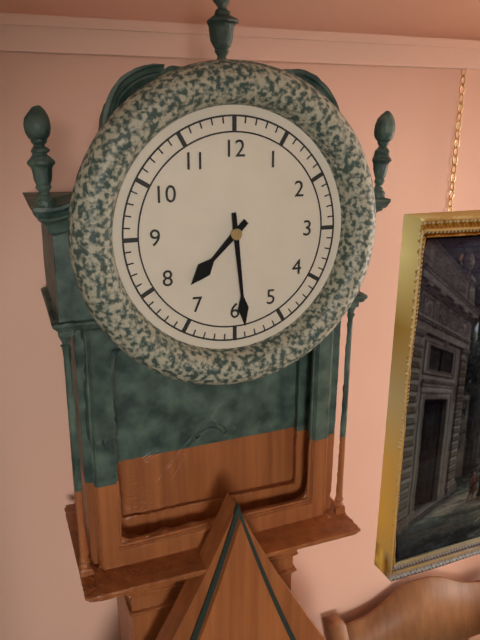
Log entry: 7 h 29 min
